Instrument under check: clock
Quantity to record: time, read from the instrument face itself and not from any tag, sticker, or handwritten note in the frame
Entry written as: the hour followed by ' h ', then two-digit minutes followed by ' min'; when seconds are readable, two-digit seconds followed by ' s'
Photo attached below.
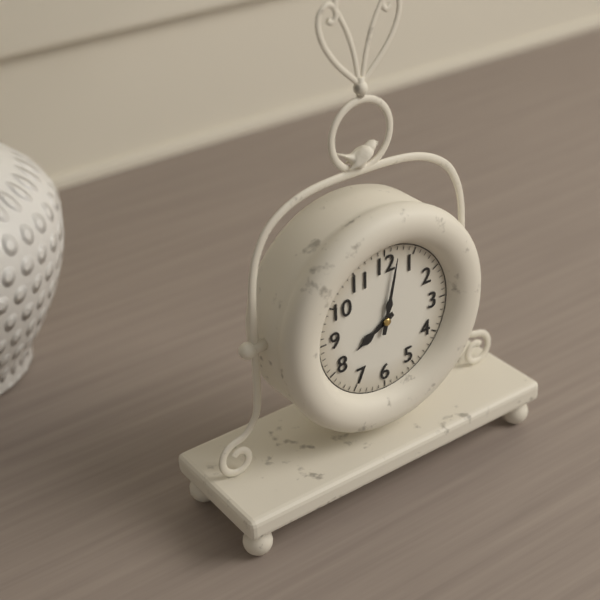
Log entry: 8 h 02 min
